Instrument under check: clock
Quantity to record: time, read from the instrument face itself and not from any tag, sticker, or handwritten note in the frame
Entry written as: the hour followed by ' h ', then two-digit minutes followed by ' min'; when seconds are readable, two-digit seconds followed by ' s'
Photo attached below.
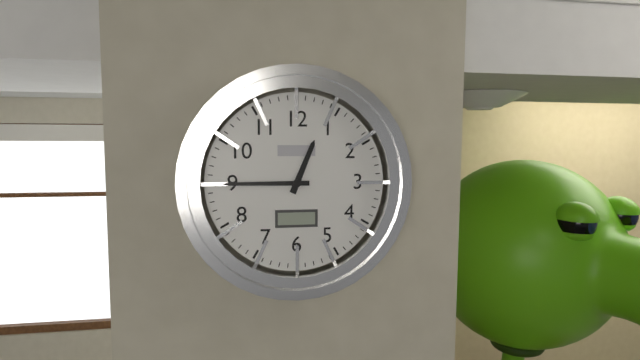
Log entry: 12 h 45 min
